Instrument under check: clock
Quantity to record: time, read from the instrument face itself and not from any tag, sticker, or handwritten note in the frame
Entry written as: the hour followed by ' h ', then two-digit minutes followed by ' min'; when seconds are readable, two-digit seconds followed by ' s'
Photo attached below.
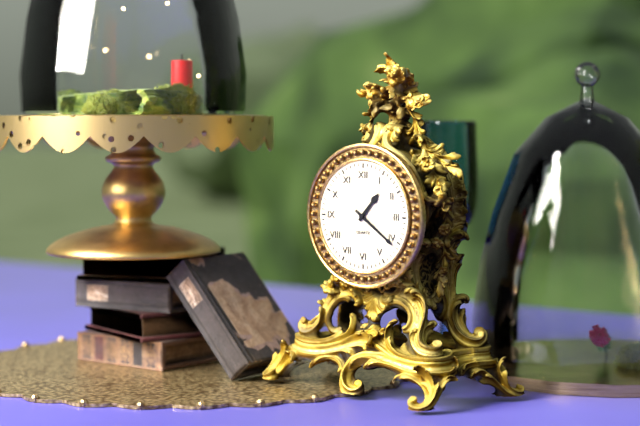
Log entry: 1 h 21 min
